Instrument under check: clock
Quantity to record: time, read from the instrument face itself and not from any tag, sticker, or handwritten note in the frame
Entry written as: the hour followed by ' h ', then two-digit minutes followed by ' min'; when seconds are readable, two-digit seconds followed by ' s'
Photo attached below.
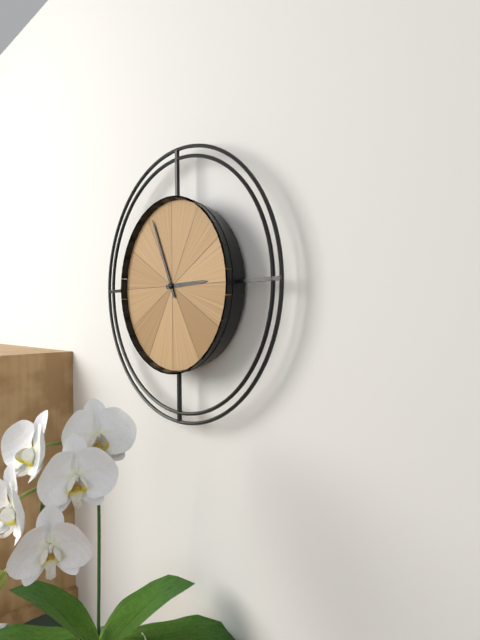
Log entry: 2 h 56 min
